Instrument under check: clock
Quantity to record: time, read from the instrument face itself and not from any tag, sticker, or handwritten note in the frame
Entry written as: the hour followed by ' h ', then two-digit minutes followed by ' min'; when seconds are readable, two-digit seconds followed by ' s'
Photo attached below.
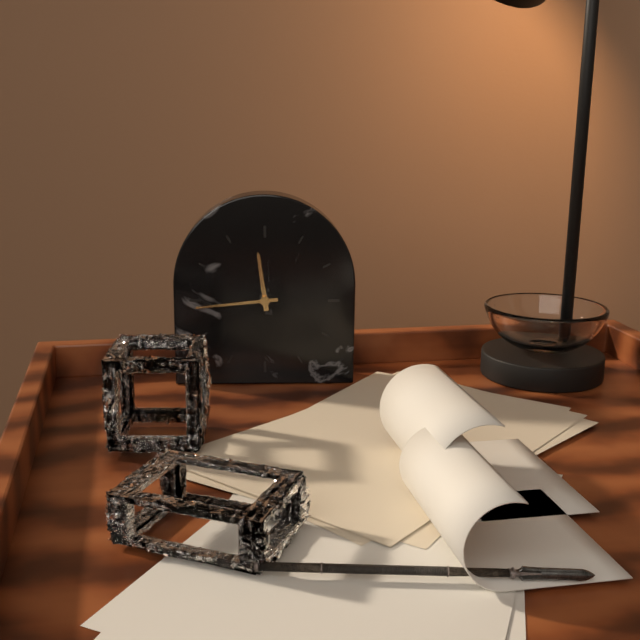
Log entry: 11 h 44 min
